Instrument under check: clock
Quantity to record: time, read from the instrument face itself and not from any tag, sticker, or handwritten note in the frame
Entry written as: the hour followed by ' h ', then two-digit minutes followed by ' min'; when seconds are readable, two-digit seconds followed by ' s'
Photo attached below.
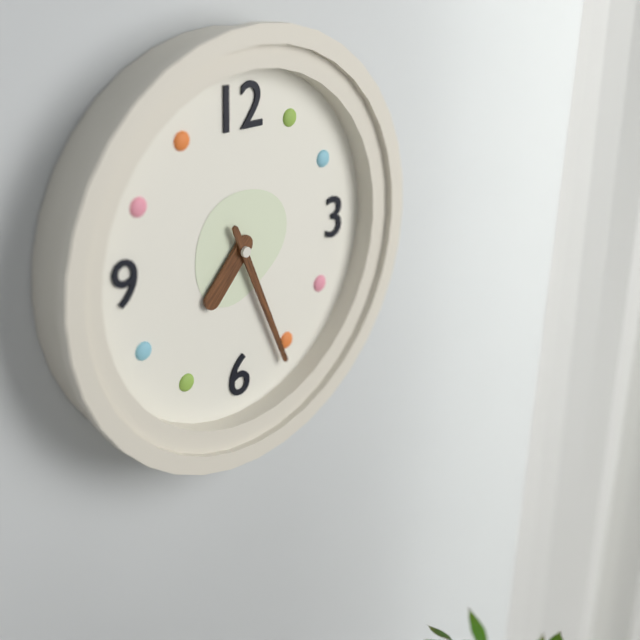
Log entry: 7 h 26 min
